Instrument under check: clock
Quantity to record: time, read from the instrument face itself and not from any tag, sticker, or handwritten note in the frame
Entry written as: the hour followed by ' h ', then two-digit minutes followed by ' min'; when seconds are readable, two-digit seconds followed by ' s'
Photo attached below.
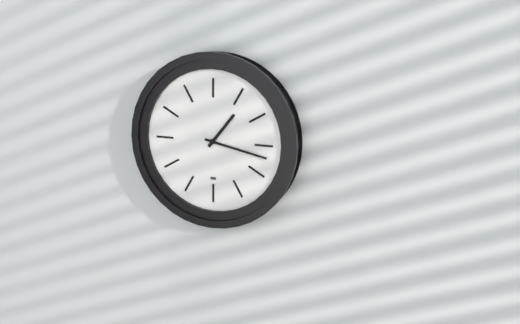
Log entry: 1 h 17 min
